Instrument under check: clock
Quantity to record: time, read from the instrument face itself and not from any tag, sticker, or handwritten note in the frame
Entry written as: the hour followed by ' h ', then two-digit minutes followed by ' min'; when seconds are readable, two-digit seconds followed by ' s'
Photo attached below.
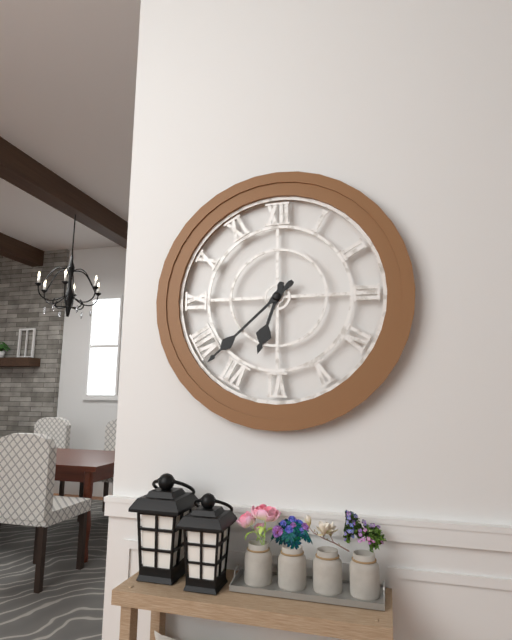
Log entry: 6 h 38 min
